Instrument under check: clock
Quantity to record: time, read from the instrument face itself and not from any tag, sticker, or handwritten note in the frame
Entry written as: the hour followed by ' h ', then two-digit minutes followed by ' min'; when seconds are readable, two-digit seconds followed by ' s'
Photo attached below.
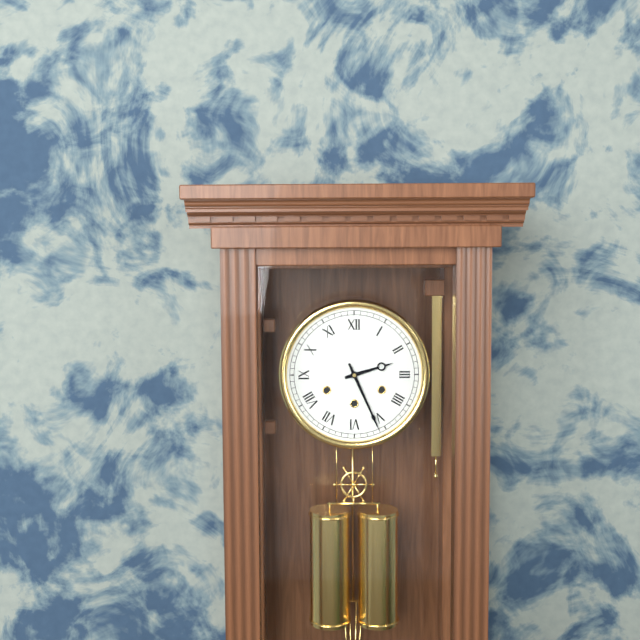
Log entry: 2 h 26 min
